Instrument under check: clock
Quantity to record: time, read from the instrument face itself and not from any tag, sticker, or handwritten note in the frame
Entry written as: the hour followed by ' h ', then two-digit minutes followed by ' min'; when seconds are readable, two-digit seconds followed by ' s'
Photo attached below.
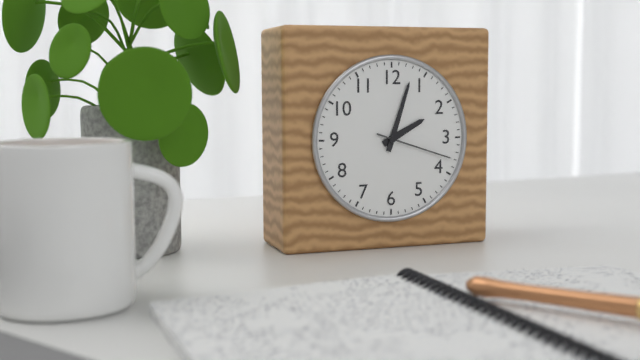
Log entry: 2 h 03 min 18 s
